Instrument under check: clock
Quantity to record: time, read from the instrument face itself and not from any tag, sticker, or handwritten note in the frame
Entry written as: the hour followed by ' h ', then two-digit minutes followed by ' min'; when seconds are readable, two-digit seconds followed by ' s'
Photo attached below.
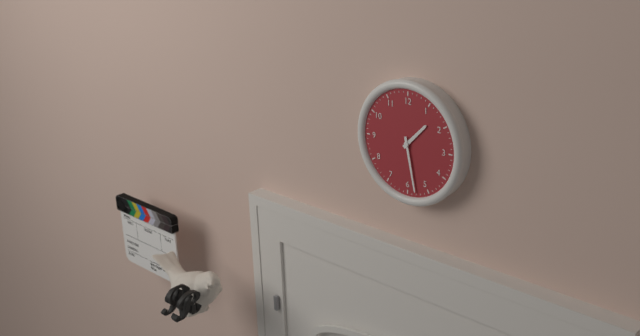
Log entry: 1 h 28 min
